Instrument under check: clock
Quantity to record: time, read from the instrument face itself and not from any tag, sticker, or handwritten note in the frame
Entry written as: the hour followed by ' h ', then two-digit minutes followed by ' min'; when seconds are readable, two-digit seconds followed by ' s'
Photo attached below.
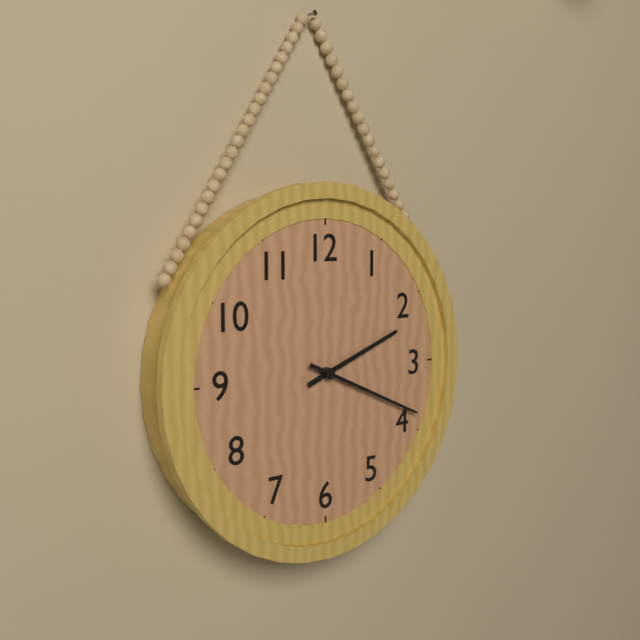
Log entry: 2 h 19 min
